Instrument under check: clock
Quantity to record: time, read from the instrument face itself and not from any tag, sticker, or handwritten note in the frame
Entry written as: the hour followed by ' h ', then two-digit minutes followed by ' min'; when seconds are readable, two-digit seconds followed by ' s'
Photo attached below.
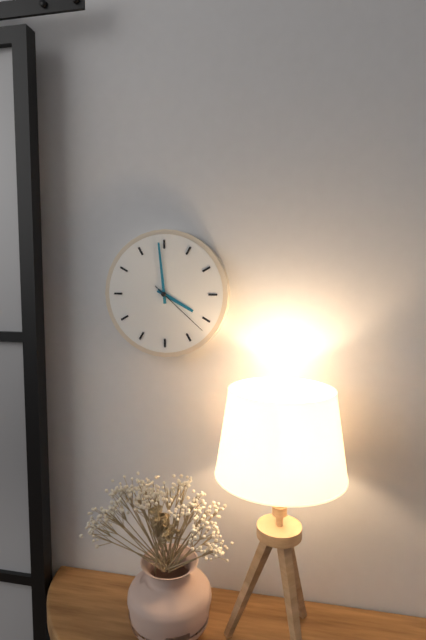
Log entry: 3 h 59 min 22 s
